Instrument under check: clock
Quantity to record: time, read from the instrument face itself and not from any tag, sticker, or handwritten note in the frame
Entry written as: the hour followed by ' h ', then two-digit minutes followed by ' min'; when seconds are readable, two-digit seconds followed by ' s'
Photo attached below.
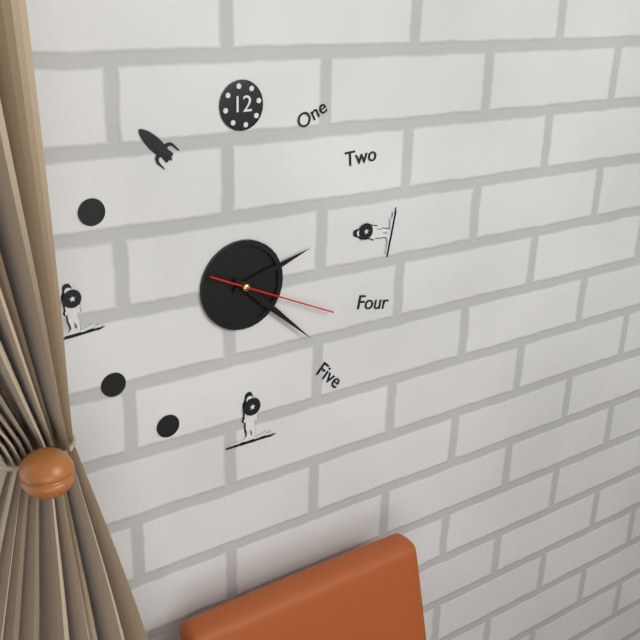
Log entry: 2 h 22 min 19 s
